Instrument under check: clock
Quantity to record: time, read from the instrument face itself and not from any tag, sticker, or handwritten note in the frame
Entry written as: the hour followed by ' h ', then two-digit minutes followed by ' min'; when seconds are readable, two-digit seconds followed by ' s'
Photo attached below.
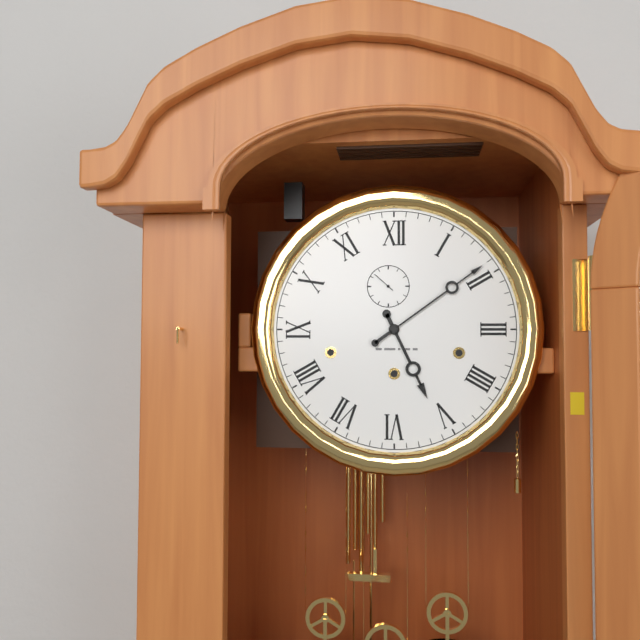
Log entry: 5 h 09 min
